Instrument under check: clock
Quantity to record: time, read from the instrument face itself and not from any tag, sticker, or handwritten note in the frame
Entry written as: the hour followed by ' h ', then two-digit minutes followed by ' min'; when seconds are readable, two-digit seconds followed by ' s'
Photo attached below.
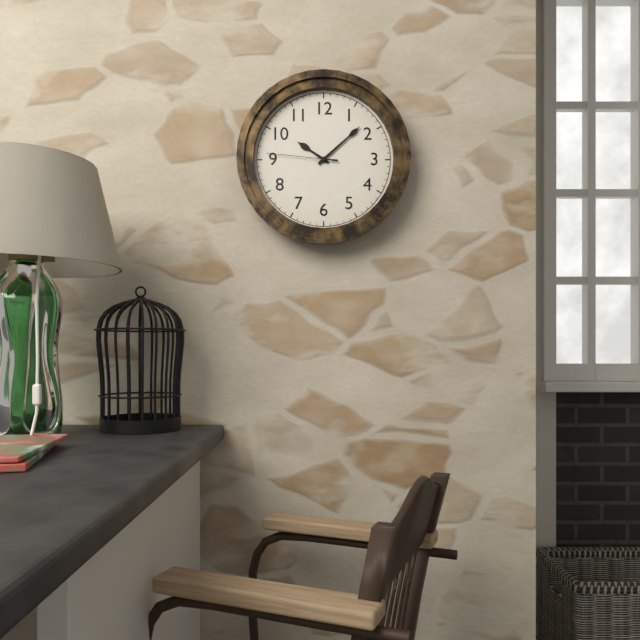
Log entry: 10 h 08 min 46 s
